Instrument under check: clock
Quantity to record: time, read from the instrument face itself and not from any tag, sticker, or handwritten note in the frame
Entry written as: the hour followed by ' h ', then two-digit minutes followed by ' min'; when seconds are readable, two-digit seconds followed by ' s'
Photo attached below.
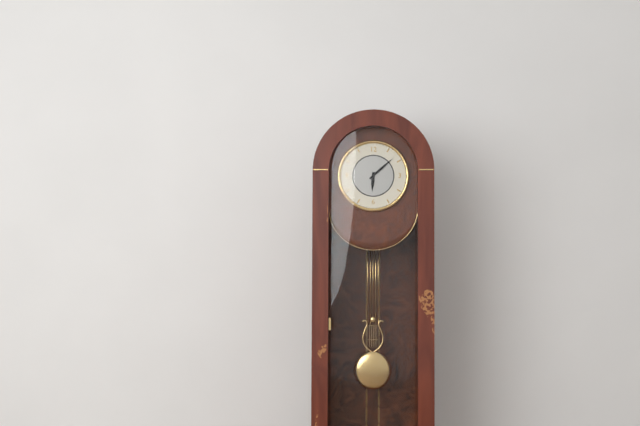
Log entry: 6 h 08 min
